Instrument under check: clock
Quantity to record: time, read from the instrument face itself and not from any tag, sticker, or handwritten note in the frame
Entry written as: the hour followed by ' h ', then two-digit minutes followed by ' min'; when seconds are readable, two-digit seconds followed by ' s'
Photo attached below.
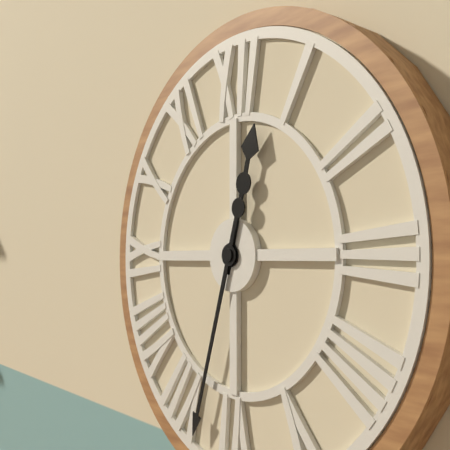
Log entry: 12 h 33 min
